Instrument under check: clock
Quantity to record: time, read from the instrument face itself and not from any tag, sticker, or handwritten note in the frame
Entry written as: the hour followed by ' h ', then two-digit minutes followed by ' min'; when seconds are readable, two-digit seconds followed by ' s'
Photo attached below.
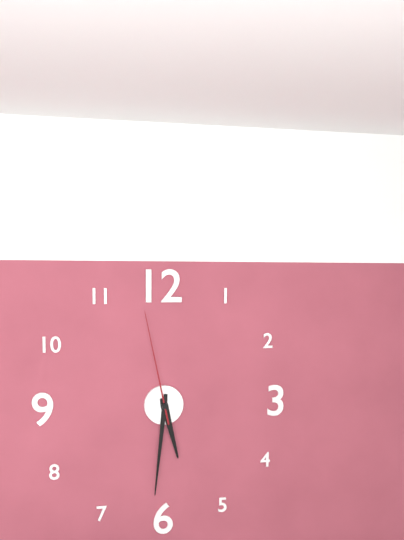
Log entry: 5 h 31 min 58 s
